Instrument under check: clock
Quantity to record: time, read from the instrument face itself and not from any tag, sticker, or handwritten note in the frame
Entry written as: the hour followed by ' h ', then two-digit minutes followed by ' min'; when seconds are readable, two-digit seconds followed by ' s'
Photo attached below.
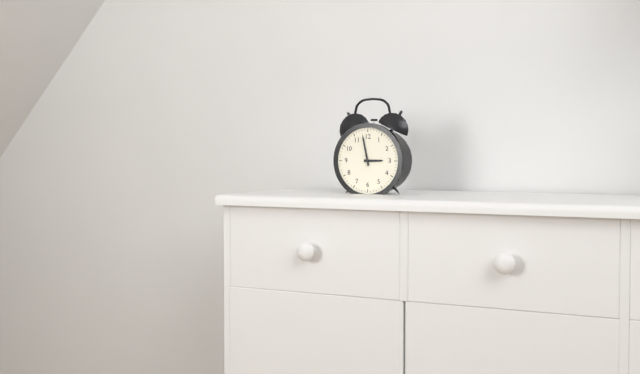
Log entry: 2 h 58 min
